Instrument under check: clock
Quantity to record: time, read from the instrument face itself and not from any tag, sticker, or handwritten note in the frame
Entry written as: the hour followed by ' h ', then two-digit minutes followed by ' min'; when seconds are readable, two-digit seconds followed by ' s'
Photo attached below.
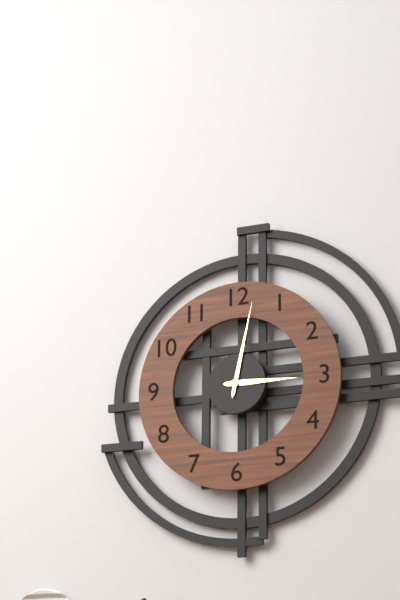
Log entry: 3 h 02 min
